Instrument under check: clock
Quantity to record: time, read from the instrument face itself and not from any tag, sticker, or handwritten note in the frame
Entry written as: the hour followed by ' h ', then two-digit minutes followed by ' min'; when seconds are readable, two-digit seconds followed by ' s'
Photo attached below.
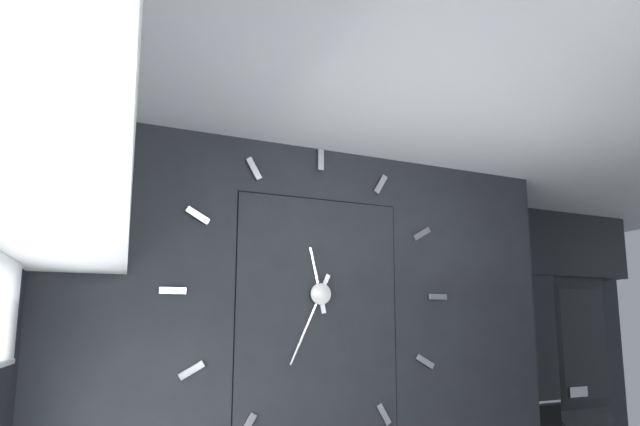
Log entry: 11 h 34 min
